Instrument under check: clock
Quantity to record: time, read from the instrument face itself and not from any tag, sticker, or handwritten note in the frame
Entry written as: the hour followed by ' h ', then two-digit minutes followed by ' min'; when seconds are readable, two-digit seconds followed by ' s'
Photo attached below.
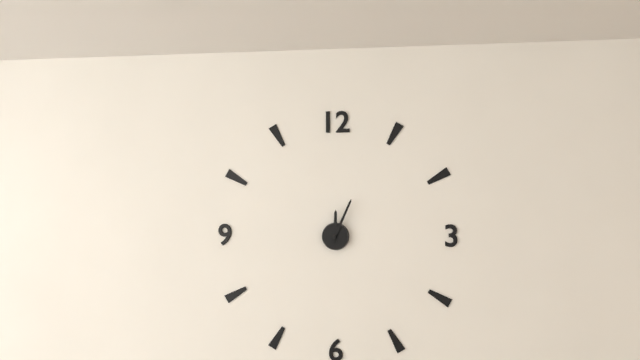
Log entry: 12 h 04 min
